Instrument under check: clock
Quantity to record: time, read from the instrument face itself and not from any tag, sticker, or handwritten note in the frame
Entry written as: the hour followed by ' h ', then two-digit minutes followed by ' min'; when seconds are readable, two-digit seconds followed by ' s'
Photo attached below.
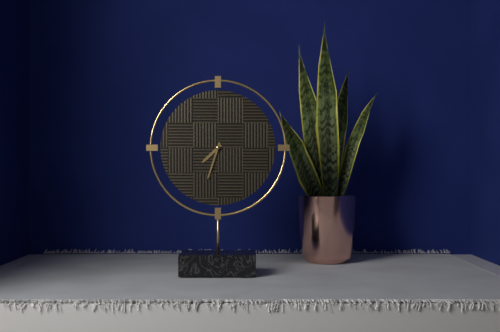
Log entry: 7 h 33 min
